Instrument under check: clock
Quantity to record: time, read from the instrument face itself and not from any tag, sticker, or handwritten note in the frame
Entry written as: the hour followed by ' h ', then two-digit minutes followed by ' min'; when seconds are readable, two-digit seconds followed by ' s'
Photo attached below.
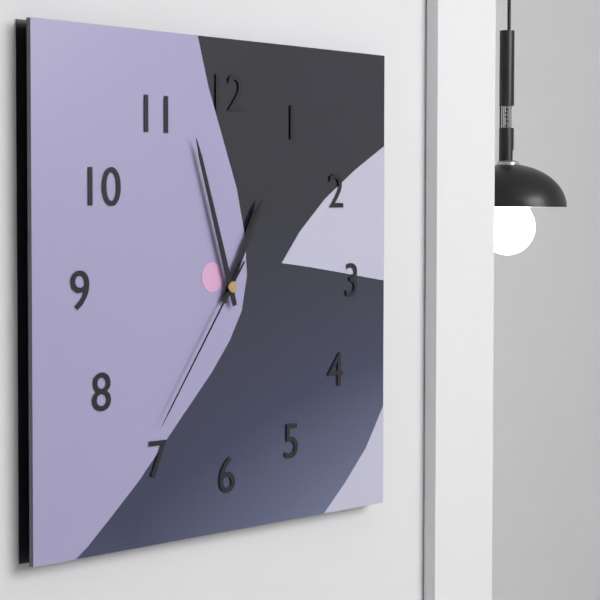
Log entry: 12 h 57 min 36 s
